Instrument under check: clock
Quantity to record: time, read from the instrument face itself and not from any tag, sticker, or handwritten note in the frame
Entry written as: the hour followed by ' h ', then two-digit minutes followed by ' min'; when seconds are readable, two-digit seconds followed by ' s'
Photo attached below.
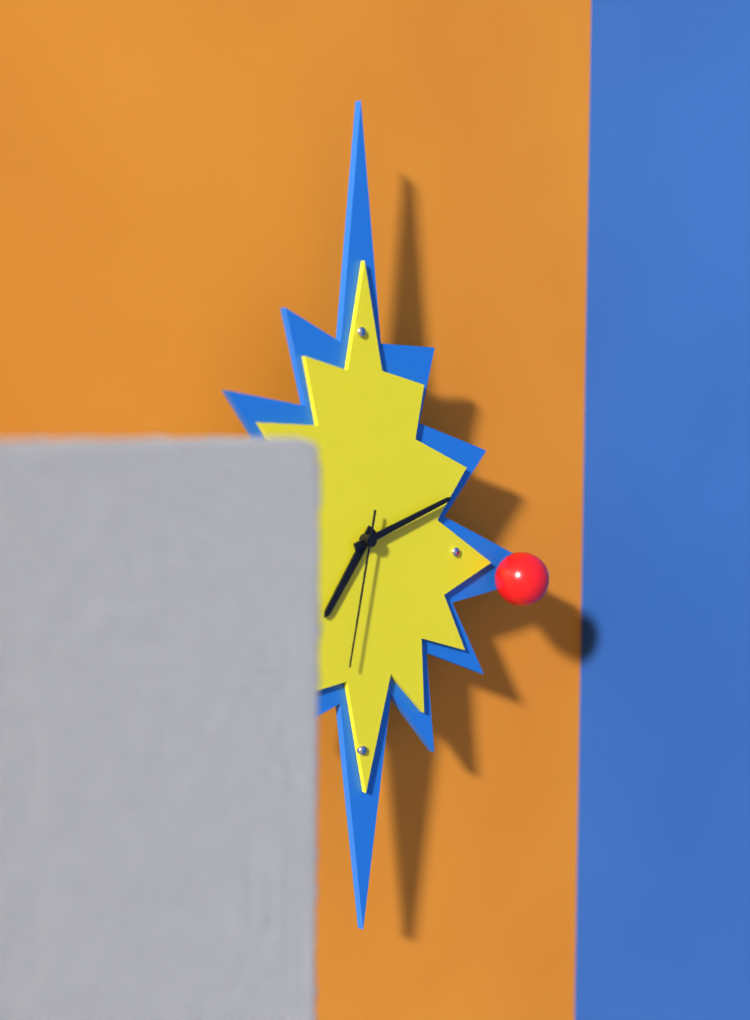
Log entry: 7 h 12 min 32 s
